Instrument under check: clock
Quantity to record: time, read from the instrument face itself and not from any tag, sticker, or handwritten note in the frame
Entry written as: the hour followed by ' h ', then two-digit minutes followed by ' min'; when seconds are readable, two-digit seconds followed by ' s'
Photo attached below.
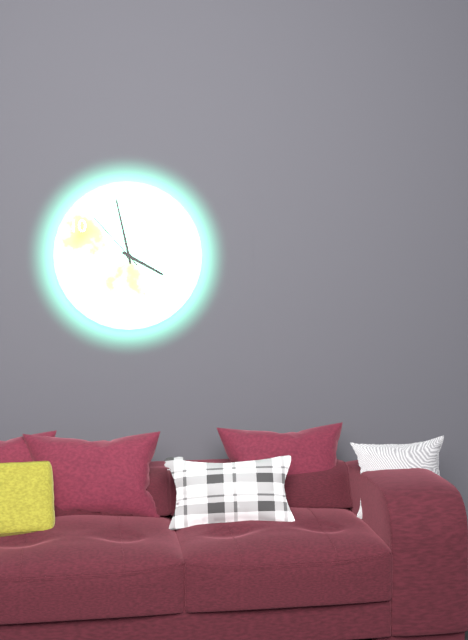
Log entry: 3 h 58 min 53 s
